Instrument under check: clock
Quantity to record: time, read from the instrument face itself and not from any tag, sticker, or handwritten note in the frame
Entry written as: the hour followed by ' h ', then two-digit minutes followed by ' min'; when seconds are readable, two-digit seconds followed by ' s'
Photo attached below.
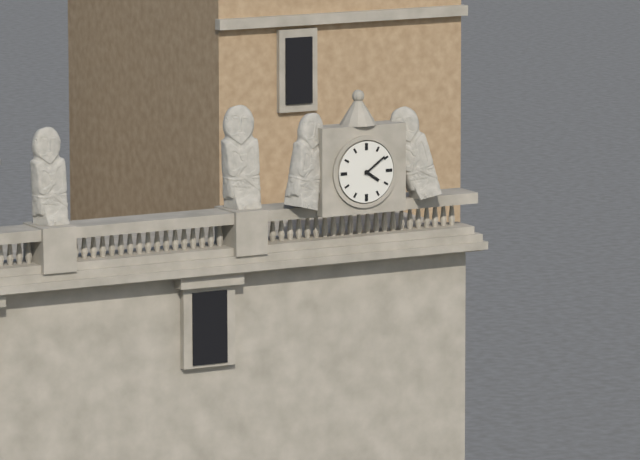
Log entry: 4 h 09 min
